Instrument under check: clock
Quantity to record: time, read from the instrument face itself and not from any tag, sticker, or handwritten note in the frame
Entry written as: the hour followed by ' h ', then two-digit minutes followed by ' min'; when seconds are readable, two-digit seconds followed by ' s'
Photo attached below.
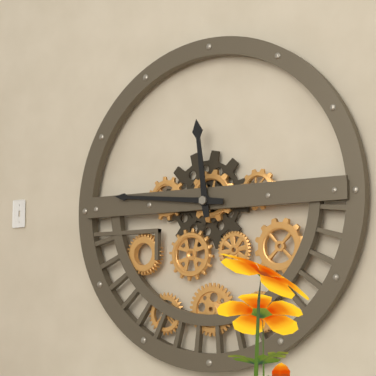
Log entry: 11 h 46 min
